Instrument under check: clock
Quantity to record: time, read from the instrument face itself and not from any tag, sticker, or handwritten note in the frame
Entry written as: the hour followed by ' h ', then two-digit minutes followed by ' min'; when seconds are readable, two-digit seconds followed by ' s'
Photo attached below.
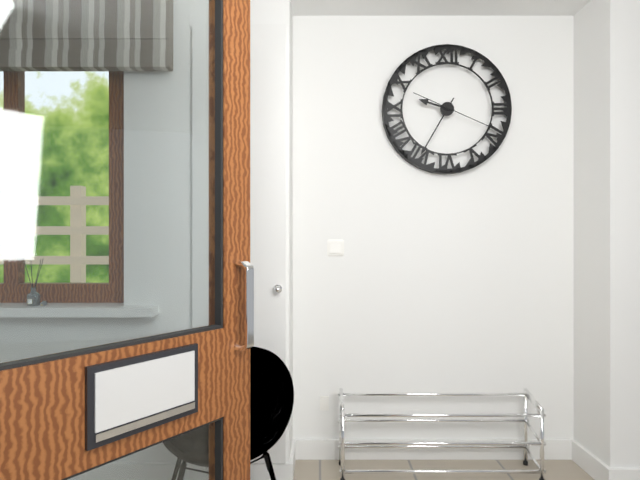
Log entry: 9 h 35 min 19 s
